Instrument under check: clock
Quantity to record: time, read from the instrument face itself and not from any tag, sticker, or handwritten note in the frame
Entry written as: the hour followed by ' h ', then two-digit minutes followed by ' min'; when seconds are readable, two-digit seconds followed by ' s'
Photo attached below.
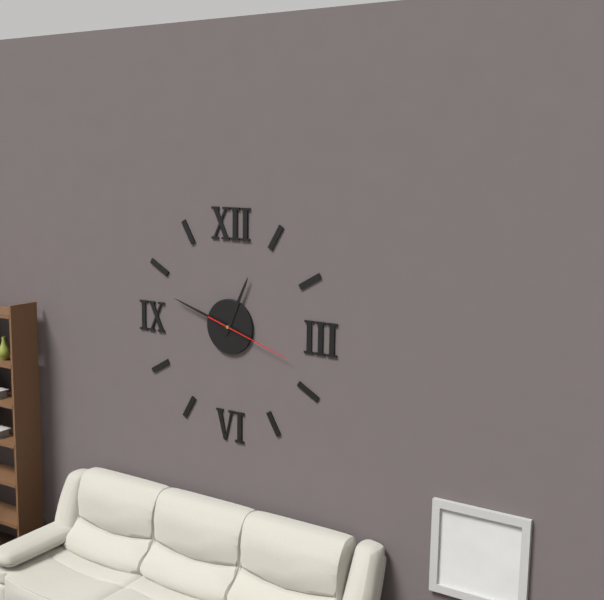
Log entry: 12 h 48 min 18 s
